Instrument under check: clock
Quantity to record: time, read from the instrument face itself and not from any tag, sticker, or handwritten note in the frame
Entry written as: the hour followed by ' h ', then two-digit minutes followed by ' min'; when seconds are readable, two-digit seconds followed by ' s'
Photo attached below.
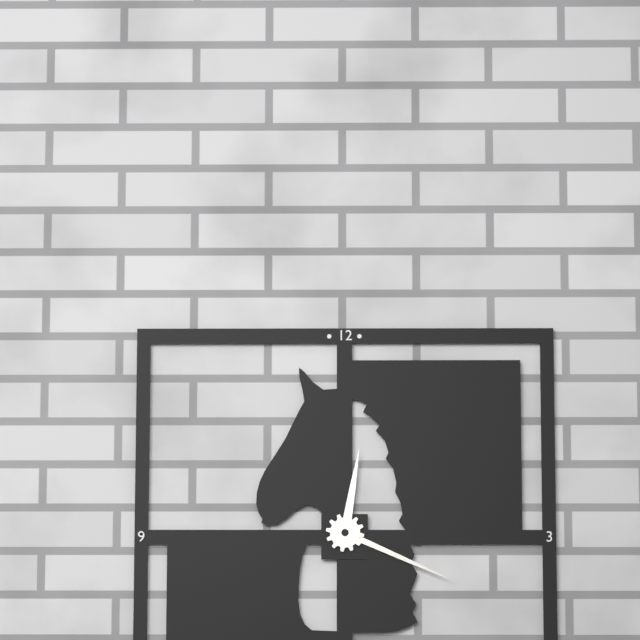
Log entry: 12 h 19 min
